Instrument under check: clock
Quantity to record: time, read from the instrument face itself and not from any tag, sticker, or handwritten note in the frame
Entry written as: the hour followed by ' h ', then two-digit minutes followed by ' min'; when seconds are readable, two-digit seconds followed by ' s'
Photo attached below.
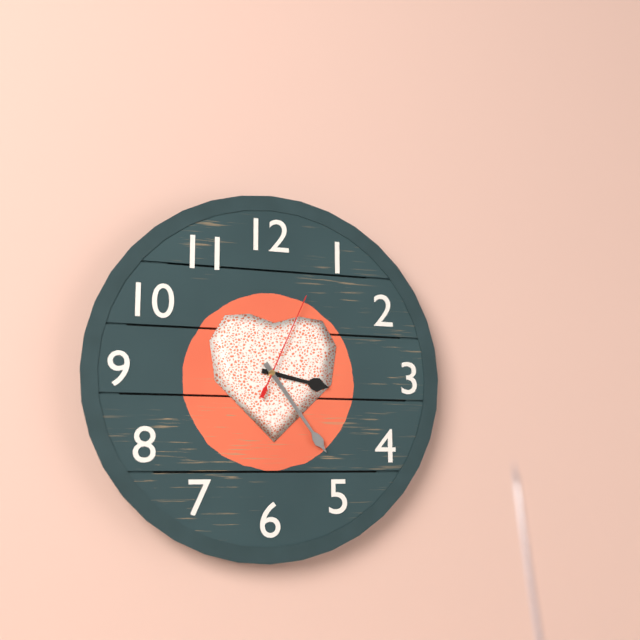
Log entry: 3 h 24 min 04 s
